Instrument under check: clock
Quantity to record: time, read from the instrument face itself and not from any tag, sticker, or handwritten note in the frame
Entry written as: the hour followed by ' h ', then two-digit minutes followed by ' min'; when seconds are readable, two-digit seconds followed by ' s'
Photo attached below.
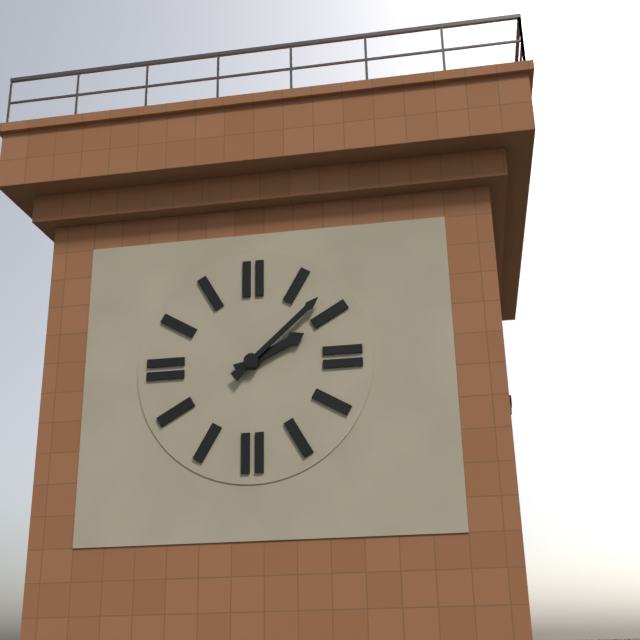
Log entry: 2 h 08 min
